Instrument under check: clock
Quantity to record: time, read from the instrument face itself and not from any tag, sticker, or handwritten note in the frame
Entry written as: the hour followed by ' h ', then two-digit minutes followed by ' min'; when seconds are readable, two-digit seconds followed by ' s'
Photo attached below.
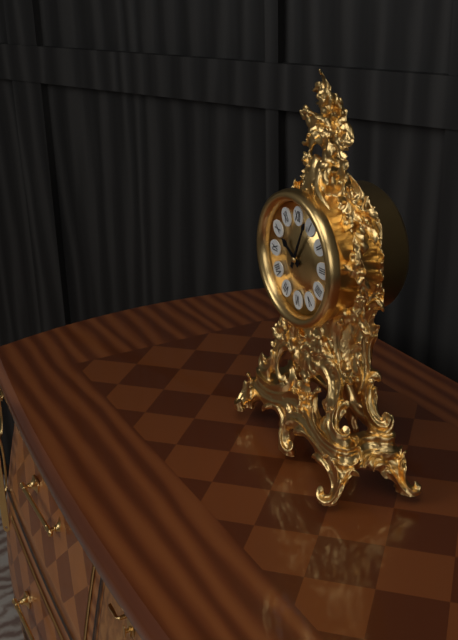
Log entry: 10 h 04 min
